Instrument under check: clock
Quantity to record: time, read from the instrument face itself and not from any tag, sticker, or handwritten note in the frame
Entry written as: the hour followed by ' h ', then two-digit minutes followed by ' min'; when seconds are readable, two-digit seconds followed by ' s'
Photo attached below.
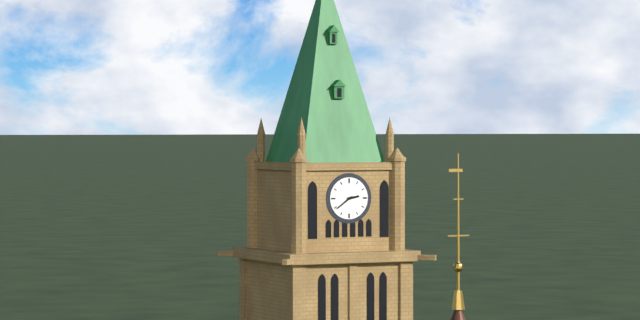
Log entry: 2 h 39 min
